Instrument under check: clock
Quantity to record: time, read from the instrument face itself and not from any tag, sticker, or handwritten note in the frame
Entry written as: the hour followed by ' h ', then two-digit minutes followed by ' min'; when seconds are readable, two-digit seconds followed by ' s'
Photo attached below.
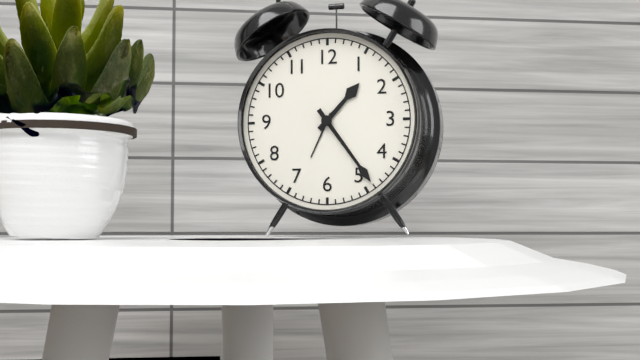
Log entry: 1 h 24 min
